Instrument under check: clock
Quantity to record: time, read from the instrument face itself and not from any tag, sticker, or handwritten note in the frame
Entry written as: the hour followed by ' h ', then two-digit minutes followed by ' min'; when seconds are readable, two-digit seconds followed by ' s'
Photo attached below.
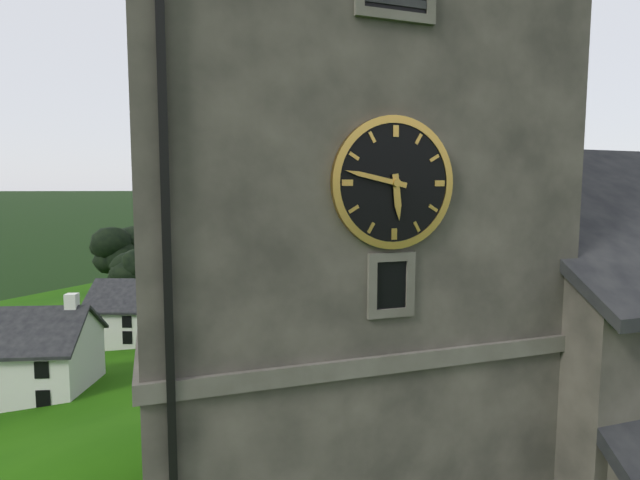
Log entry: 5 h 47 min
